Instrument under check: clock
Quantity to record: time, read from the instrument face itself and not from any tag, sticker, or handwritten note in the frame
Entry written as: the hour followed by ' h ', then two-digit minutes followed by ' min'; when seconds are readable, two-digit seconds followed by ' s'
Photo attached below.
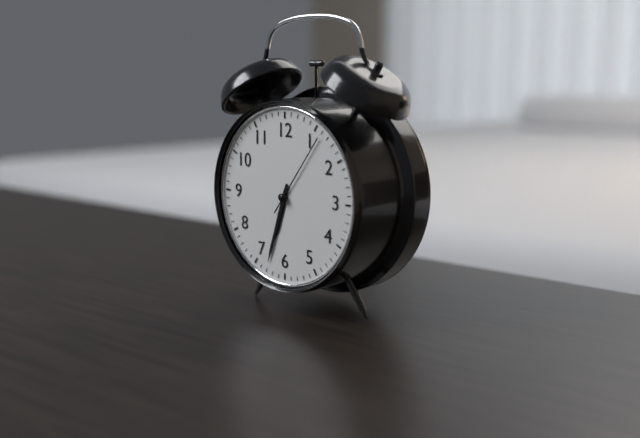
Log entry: 6 h 33 min 06 s
